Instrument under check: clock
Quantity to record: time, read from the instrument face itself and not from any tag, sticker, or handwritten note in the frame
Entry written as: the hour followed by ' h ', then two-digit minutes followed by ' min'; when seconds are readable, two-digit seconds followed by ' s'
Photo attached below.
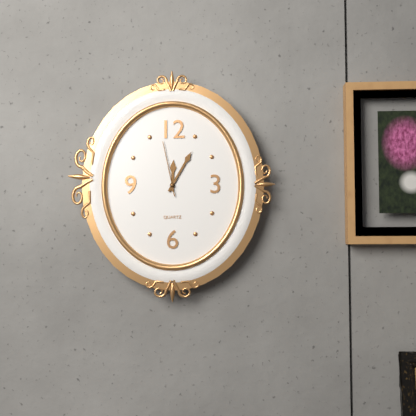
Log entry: 12 h 05 min 58 s
